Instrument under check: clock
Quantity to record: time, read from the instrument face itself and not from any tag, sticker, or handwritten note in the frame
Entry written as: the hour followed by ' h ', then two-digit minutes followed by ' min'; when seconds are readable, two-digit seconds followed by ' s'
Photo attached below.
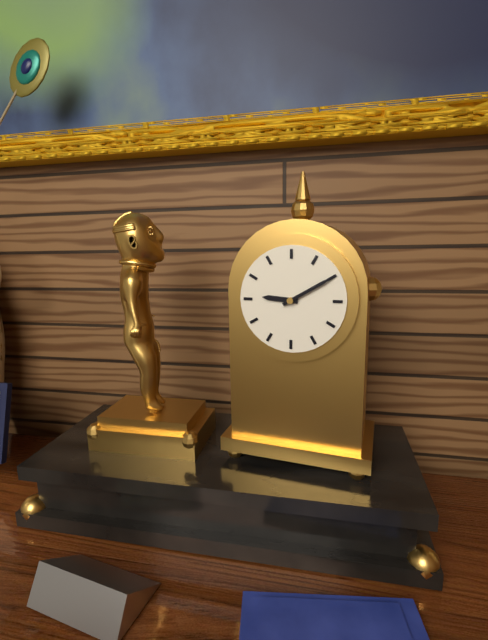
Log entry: 9 h 10 min
